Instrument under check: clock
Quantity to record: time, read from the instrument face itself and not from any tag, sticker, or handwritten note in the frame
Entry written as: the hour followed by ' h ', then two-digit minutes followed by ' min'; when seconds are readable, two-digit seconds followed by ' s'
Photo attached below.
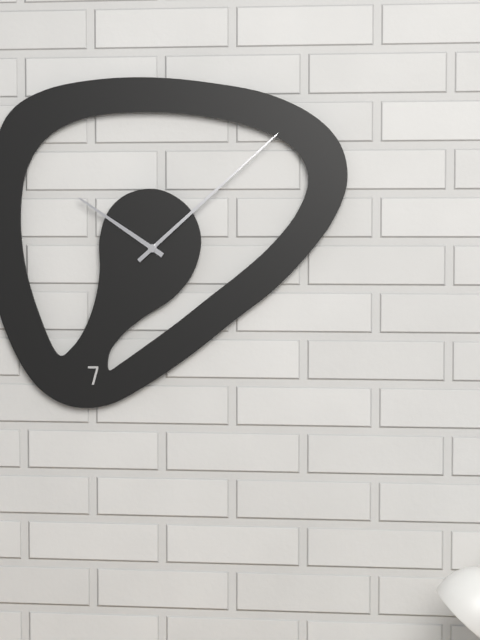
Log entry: 10 h 08 min
